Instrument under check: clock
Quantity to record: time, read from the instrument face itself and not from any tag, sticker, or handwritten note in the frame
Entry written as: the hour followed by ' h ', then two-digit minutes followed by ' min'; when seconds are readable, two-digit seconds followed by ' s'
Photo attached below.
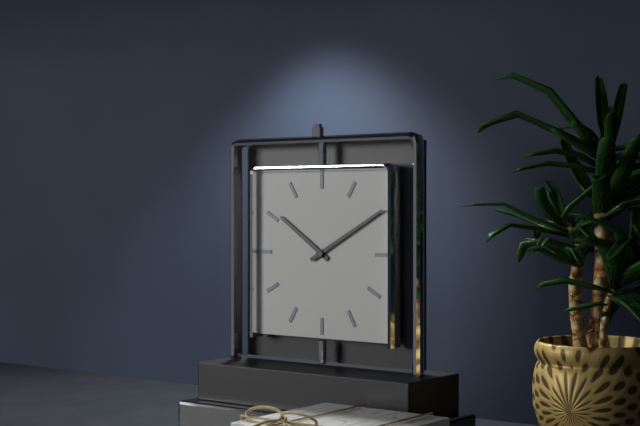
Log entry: 10 h 10 min
